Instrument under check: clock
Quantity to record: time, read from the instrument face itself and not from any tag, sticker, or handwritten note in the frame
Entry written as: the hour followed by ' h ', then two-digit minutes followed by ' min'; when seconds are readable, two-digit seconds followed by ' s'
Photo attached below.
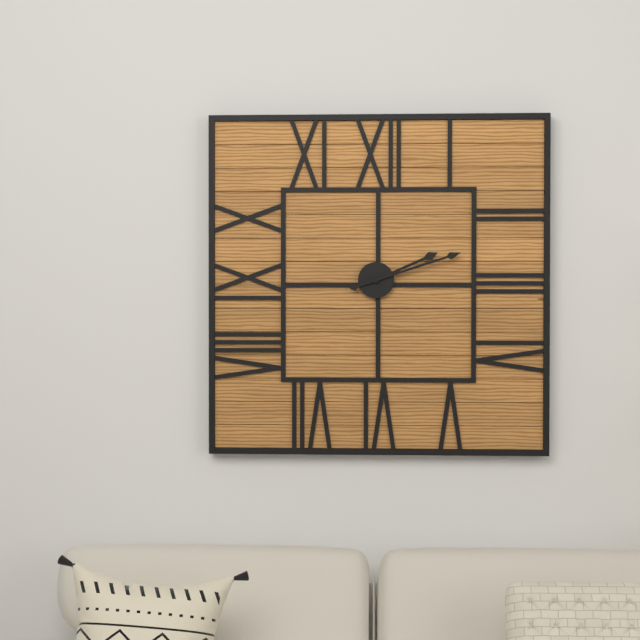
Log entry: 2 h 12 min
